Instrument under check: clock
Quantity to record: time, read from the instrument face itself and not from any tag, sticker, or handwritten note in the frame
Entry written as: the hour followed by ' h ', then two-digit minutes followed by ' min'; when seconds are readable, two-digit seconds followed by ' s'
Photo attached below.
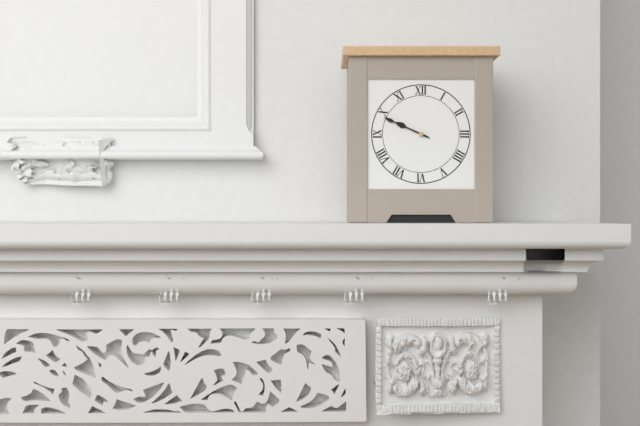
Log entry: 9 h 49 min
